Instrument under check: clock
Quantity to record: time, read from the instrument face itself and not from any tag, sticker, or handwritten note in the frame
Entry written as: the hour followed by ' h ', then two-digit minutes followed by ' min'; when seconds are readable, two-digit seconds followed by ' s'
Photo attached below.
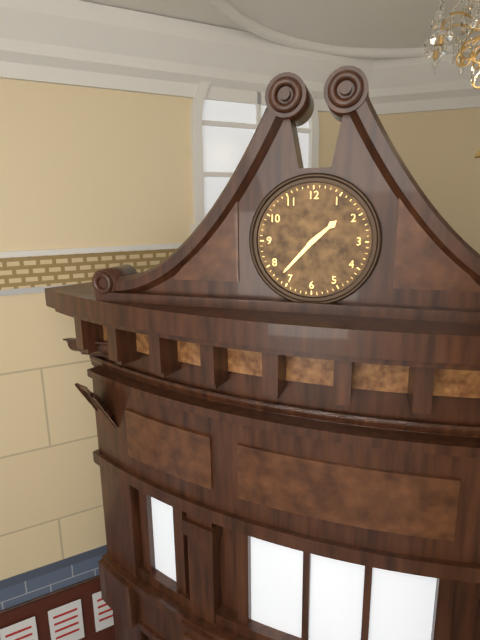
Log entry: 1 h 37 min
